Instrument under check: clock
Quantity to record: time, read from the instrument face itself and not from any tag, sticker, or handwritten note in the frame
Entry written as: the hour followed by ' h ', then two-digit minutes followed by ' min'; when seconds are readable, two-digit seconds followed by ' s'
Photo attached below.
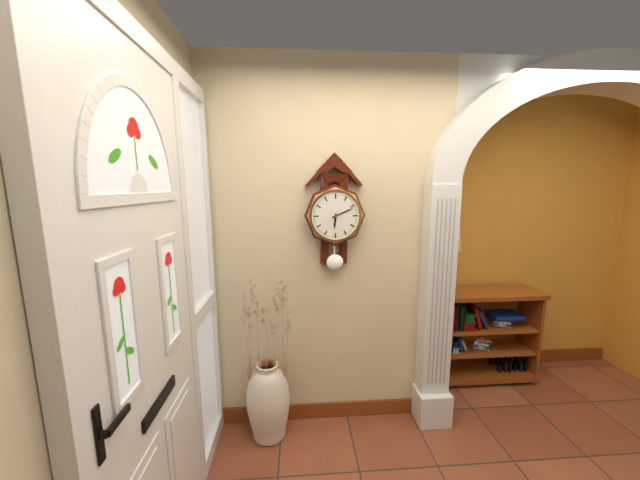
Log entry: 6 h 11 min
